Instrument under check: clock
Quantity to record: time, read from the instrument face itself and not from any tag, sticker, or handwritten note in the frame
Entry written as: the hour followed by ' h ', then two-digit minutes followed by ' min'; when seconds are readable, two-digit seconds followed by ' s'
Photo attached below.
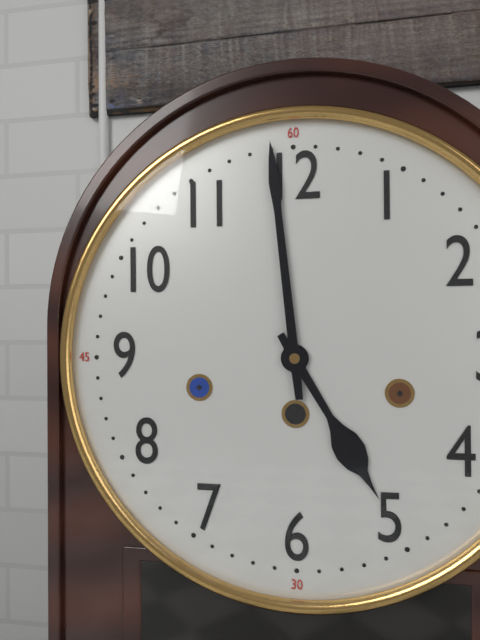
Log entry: 4 h 59 min
